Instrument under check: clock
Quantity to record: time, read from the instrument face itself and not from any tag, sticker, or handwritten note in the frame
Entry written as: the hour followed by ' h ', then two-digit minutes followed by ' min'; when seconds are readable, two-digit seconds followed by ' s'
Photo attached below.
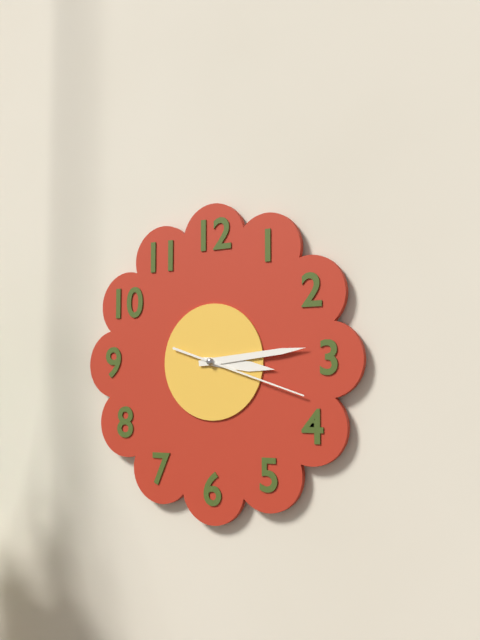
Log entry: 3 h 14 min 18 s
